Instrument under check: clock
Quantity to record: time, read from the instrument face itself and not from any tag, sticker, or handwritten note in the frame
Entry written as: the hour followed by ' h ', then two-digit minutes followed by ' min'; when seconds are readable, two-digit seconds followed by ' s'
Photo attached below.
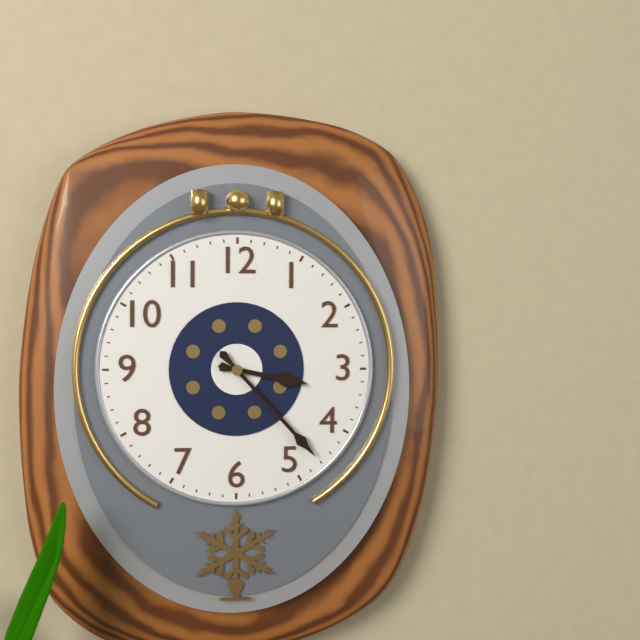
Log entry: 3 h 23 min
